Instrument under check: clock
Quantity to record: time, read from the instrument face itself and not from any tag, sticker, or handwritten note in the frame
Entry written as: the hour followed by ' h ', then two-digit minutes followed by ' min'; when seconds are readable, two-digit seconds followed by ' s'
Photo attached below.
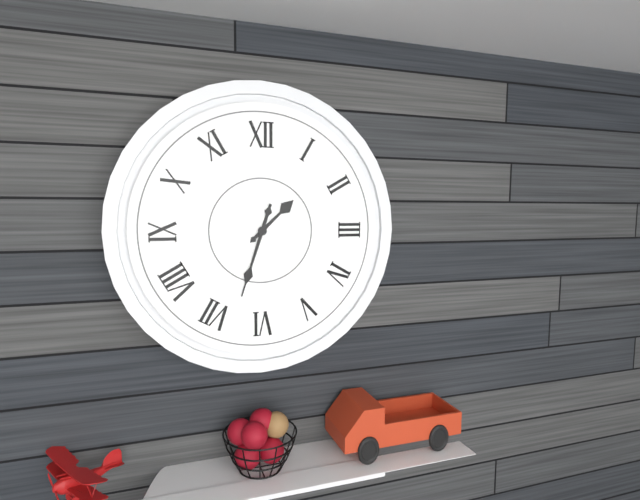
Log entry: 1 h 33 min
